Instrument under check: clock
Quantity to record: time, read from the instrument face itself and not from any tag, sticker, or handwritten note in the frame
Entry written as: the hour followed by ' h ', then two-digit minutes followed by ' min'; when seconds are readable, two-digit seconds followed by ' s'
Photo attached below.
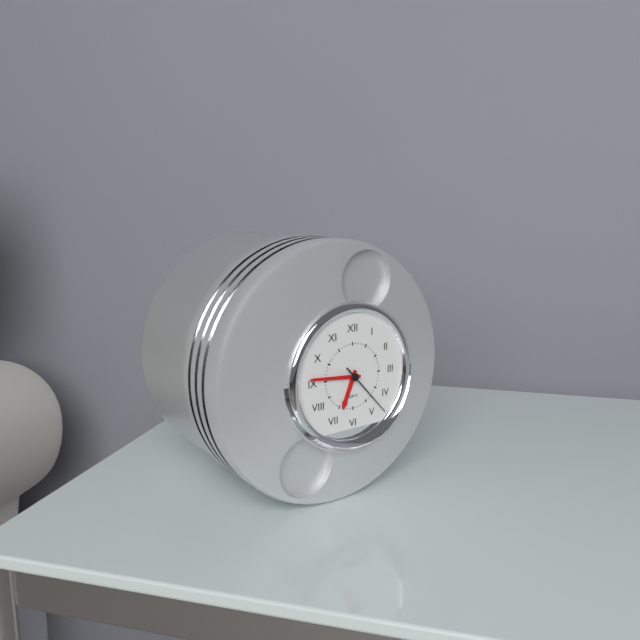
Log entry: 6 h 46 min 23 s
